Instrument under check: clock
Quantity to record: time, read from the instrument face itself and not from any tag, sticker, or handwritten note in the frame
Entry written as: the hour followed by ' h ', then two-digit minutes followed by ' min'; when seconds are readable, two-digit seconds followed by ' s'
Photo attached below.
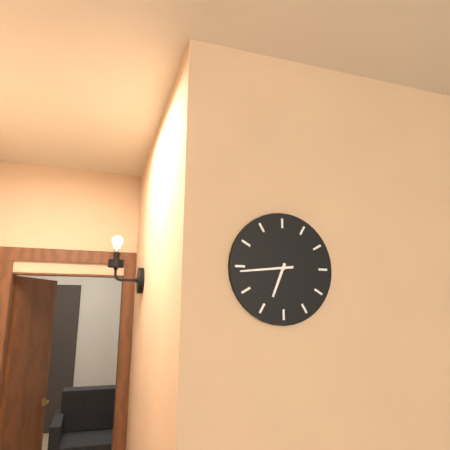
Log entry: 6 h 44 min
